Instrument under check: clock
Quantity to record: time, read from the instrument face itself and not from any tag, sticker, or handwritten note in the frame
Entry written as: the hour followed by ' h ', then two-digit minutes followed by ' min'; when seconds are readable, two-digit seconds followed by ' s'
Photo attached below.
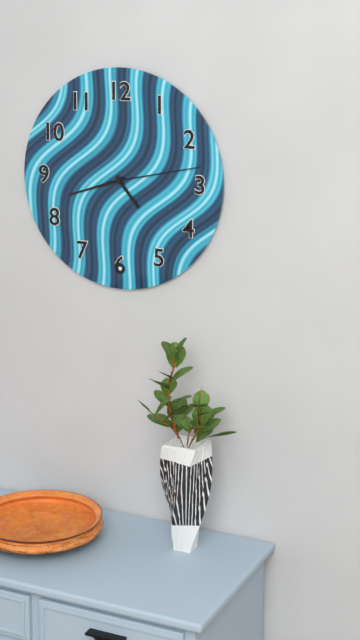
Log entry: 4 h 42 min 13 s
